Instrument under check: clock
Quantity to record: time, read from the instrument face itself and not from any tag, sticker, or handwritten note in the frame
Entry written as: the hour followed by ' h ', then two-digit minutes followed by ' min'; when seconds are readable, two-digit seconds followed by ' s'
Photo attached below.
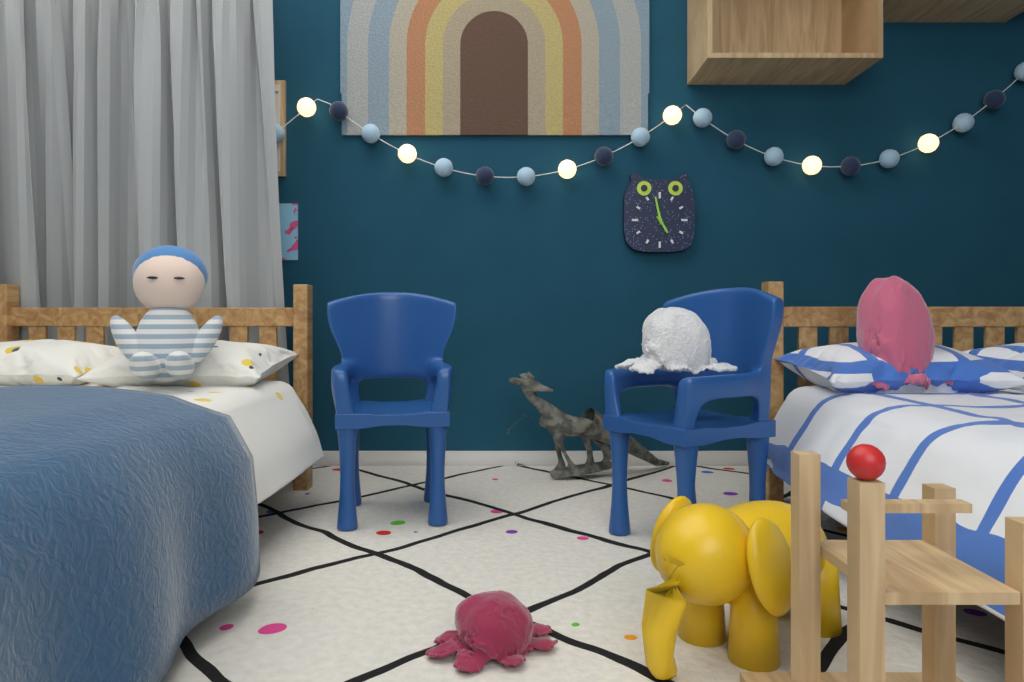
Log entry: 4 h 58 min
